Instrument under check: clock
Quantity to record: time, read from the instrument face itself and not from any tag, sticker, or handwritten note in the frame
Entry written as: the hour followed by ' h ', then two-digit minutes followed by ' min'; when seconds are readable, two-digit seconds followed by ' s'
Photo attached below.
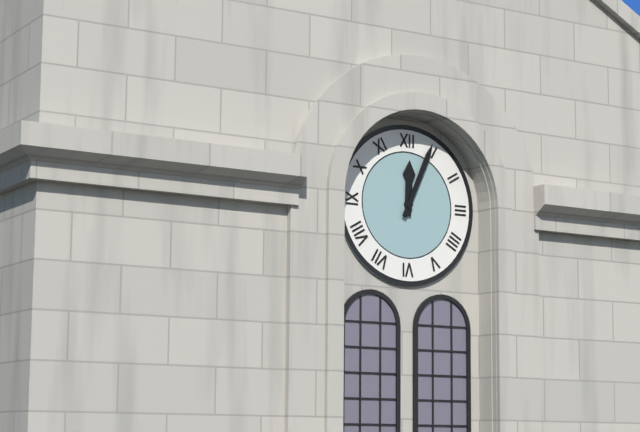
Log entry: 12 h 04 min
